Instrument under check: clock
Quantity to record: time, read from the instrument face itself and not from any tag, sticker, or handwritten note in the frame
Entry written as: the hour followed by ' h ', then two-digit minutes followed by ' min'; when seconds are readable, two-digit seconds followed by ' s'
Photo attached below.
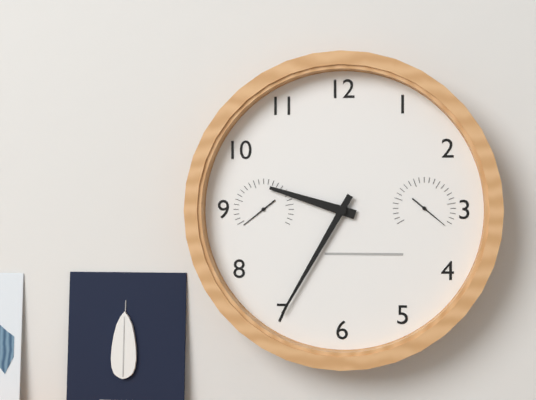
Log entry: 9 h 35 min
